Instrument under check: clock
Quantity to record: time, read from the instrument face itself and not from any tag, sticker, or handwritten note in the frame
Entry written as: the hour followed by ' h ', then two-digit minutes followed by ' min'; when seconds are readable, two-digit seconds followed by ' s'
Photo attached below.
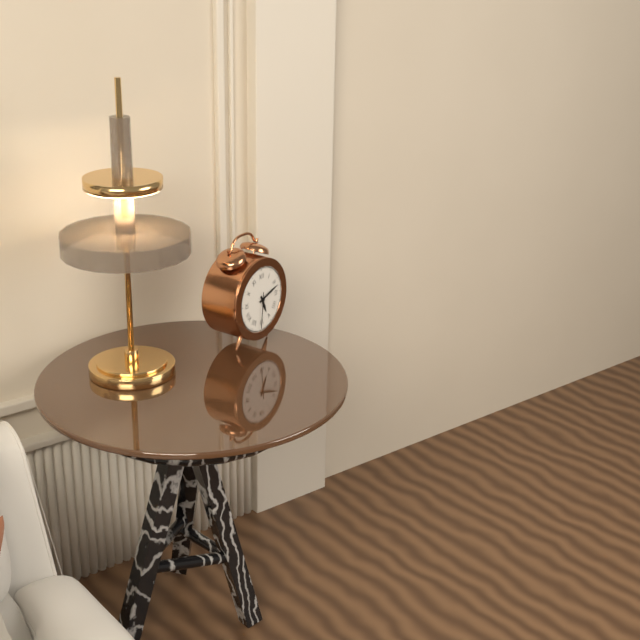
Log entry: 5 h 12 min
